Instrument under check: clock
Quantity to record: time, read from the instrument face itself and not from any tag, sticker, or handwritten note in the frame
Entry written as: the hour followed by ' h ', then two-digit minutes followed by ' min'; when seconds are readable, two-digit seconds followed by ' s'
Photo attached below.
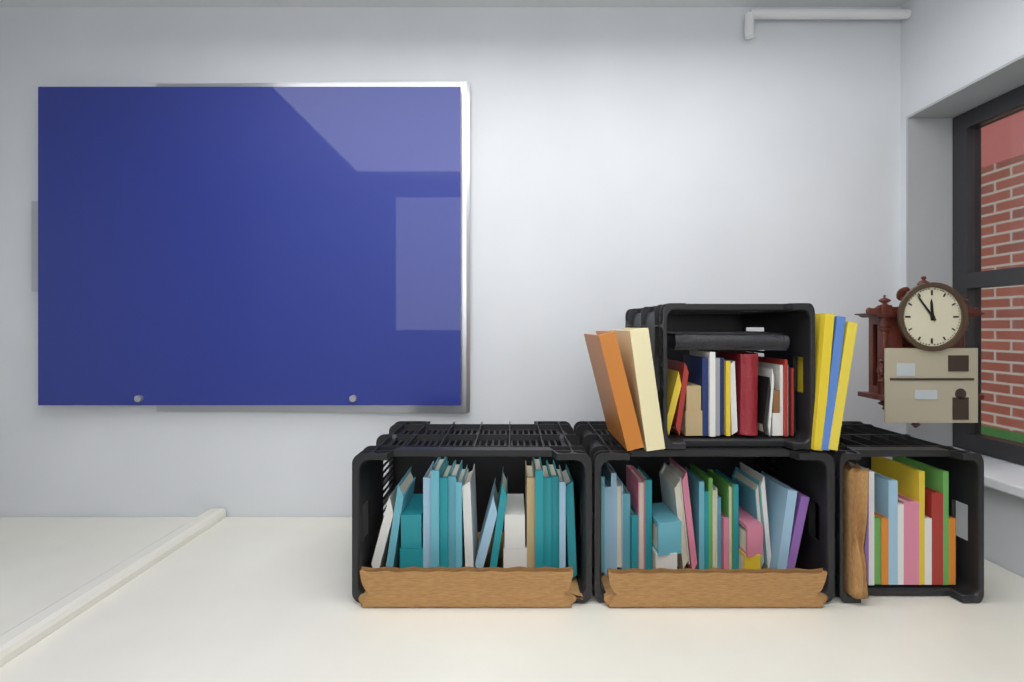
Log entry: 11 h 54 min
